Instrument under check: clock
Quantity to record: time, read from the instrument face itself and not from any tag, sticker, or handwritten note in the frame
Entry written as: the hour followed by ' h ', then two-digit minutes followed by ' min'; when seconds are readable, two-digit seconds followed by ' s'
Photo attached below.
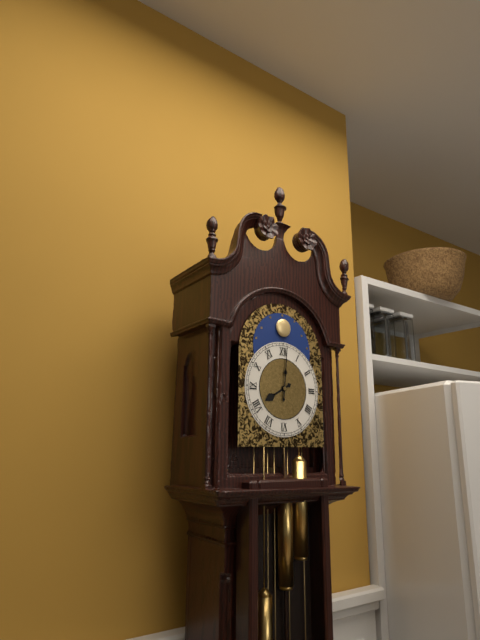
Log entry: 8 h 01 min
